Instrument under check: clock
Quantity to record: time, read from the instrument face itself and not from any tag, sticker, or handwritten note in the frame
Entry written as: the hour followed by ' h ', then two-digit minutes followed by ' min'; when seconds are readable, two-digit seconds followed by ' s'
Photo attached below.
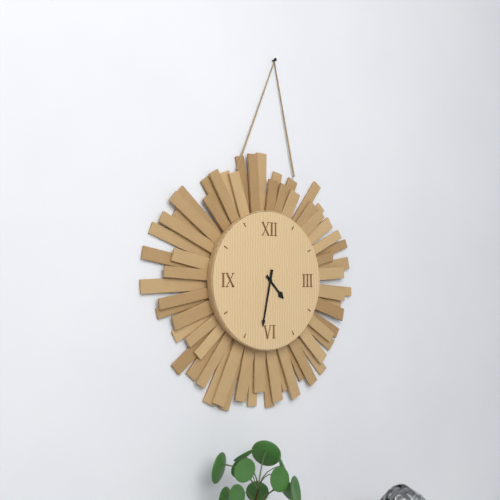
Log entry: 4 h 32 min
